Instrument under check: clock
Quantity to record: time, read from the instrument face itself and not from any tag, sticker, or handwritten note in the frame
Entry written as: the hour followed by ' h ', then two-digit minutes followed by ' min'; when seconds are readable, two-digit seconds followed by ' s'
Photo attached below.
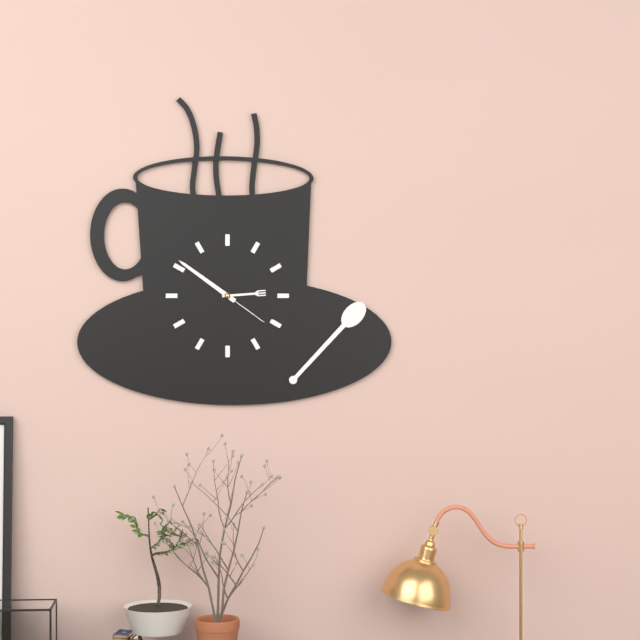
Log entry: 2 h 51 min 21 s
